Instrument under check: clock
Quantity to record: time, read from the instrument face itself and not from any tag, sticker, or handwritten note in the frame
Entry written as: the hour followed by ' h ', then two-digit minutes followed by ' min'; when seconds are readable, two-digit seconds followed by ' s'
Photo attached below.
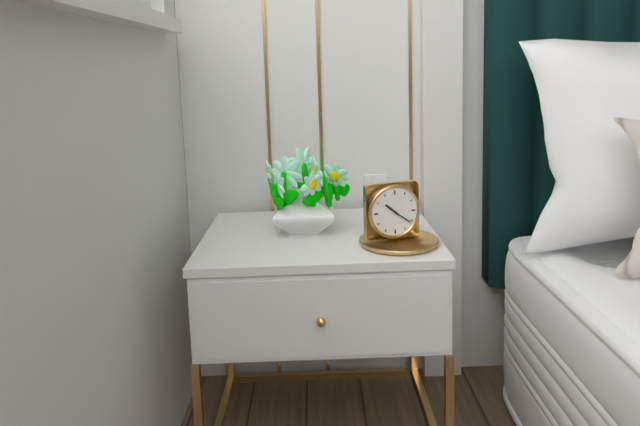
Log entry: 10 h 21 min
